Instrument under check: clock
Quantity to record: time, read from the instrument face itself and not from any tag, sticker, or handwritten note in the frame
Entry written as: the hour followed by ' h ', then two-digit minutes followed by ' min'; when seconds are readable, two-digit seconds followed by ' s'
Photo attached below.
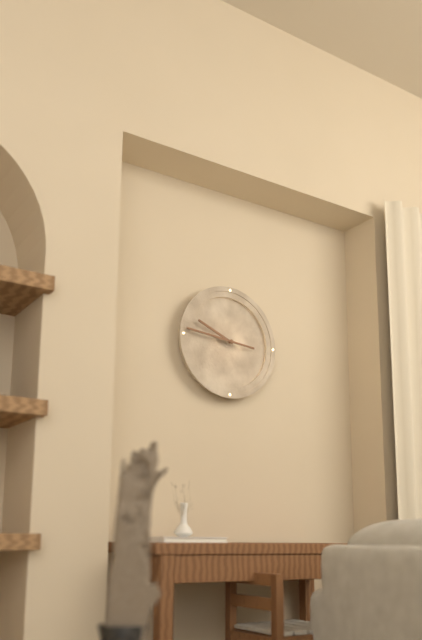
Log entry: 9 h 46 min
